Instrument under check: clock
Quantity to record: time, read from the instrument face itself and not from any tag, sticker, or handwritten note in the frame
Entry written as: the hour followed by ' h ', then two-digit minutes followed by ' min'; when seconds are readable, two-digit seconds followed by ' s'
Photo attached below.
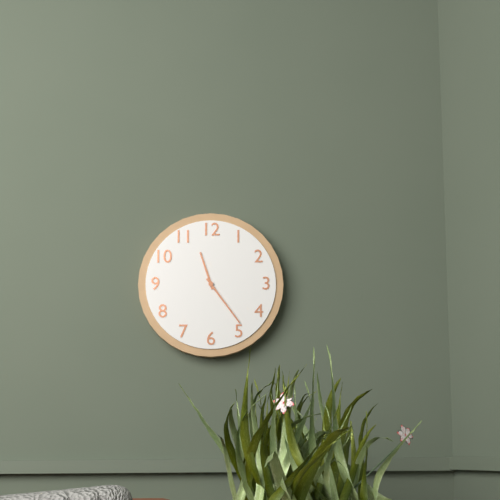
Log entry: 11 h 24 min
